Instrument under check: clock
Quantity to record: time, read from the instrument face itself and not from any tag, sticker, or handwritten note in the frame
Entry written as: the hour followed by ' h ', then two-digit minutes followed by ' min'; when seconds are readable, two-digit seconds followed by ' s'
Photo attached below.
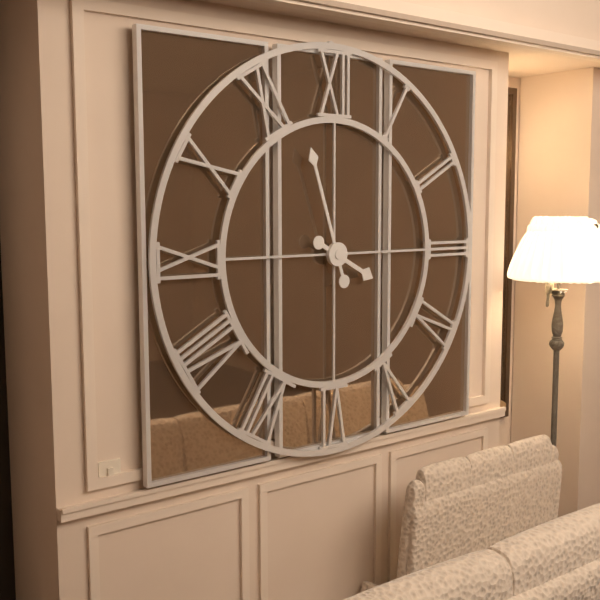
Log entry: 3 h 57 min
